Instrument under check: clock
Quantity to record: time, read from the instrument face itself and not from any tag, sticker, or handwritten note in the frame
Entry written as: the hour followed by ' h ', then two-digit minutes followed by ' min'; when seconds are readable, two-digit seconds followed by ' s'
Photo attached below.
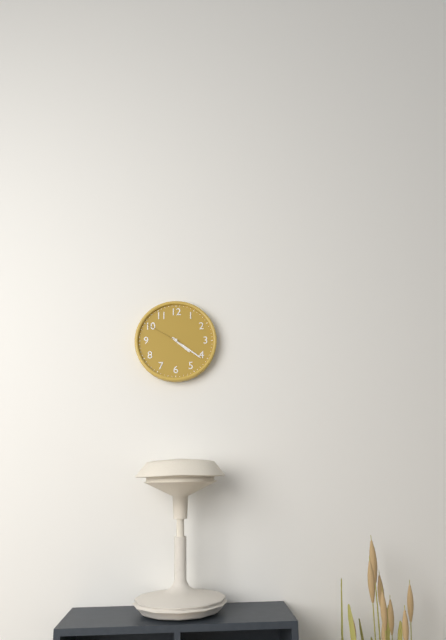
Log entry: 4 h 21 min
